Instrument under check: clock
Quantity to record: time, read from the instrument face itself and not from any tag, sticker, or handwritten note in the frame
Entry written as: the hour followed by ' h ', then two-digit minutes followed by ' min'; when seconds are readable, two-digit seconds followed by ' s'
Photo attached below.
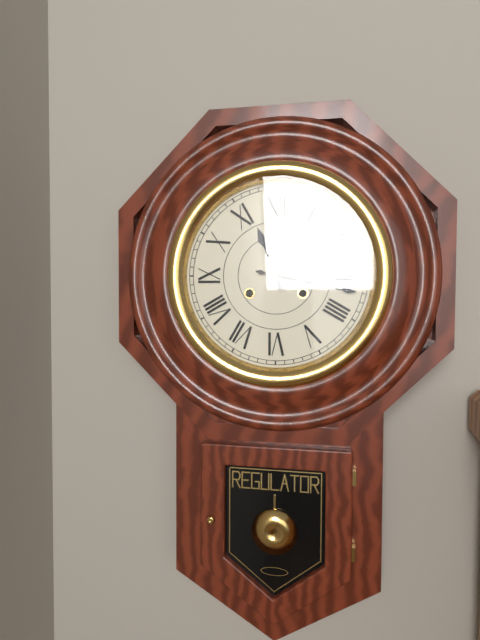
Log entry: 11 h 17 min
